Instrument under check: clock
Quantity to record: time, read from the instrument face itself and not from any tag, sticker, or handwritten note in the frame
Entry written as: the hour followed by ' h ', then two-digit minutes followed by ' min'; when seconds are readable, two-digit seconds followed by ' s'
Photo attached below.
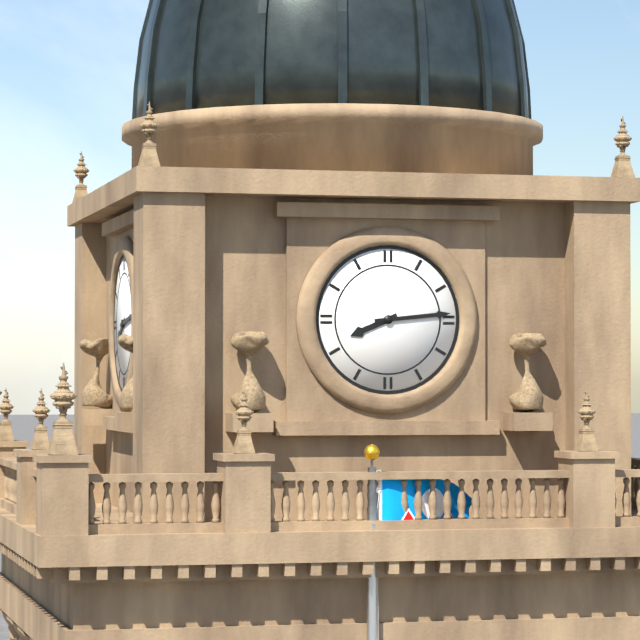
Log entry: 8 h 14 min
